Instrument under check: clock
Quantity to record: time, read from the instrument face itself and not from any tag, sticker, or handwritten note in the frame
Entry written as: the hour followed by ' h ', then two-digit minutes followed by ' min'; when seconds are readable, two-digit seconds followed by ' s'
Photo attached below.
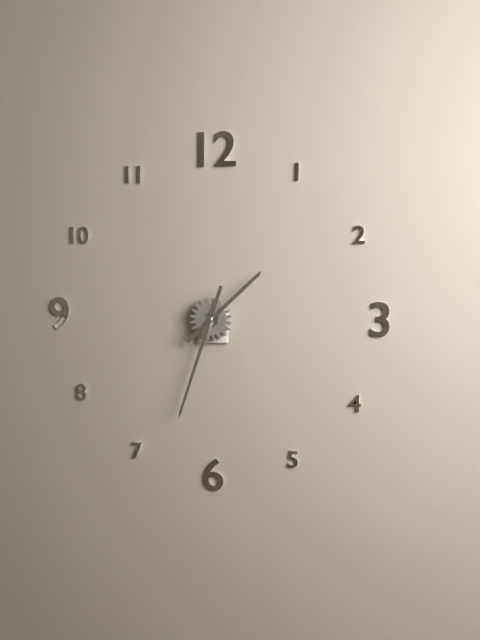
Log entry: 1 h 33 min
